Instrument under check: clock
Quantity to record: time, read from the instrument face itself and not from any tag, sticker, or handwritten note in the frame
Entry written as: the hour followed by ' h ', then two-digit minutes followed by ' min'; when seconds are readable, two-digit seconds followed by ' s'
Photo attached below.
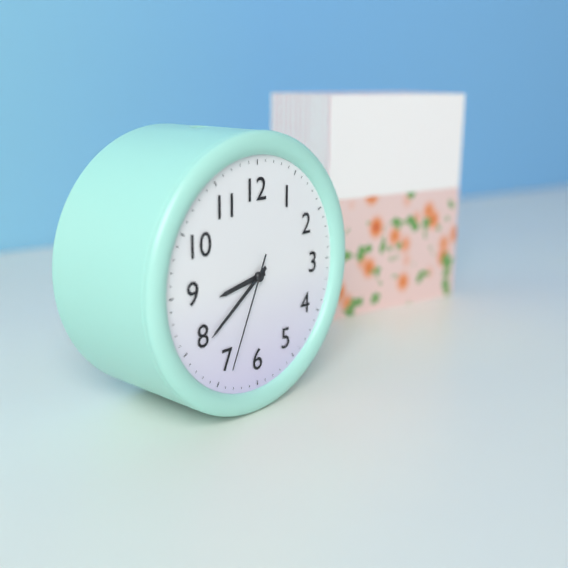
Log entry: 8 h 39 min 34 s
